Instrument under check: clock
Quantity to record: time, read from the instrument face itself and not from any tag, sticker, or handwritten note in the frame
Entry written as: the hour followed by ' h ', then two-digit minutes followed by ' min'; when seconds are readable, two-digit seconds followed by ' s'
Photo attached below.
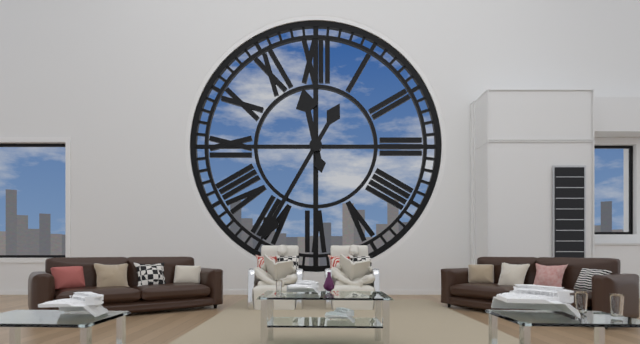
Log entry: 11 h 35 min
